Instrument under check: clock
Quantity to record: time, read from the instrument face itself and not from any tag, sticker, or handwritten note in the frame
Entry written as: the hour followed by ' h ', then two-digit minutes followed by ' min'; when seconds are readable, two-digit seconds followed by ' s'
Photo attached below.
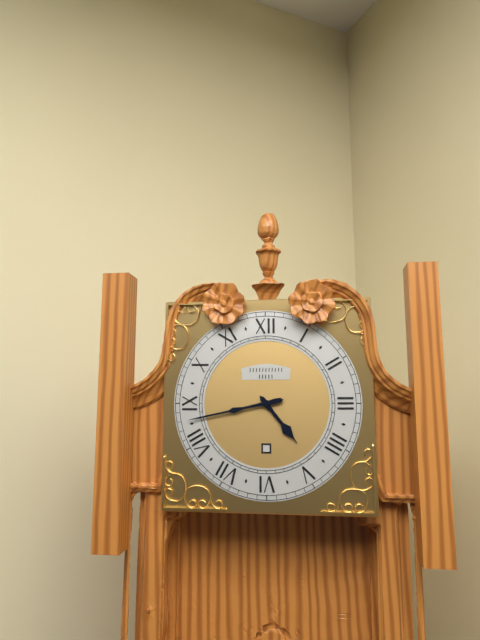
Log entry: 4 h 43 min
